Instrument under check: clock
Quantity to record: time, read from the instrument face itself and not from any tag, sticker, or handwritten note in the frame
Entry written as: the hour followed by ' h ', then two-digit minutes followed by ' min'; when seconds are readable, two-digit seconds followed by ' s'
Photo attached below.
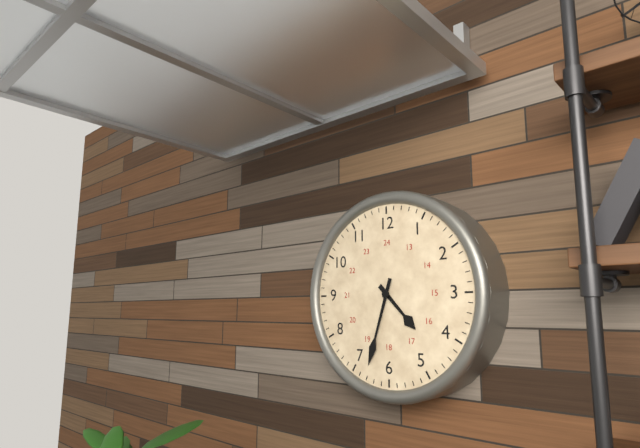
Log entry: 4 h 33 min
